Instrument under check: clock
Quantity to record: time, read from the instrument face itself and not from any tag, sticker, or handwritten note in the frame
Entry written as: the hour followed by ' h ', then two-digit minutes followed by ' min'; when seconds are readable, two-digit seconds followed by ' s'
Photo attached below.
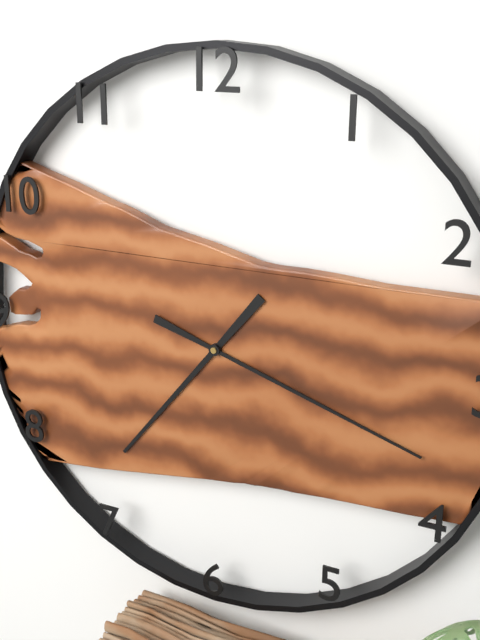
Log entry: 7 h 18 min
